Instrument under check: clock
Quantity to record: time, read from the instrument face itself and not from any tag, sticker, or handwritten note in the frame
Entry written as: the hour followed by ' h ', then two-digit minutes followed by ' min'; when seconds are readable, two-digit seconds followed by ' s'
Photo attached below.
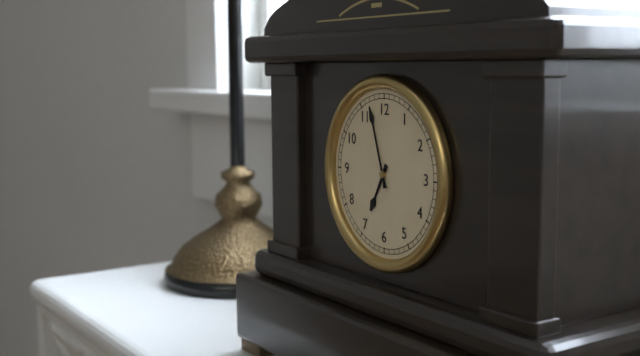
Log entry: 6 h 57 min
